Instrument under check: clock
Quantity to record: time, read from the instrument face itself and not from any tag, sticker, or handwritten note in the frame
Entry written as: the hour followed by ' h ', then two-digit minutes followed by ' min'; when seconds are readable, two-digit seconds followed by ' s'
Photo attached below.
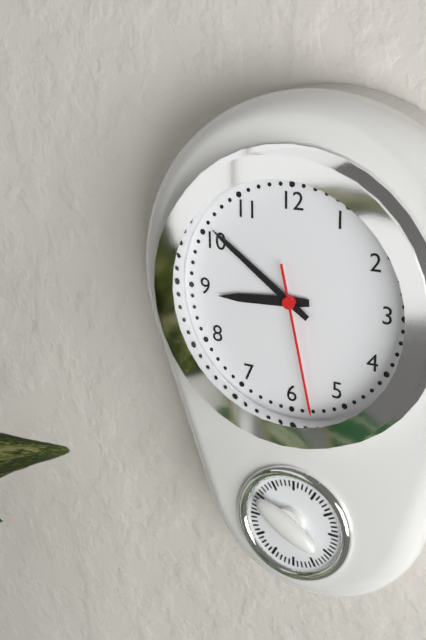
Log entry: 8 h 51 min 28 s
